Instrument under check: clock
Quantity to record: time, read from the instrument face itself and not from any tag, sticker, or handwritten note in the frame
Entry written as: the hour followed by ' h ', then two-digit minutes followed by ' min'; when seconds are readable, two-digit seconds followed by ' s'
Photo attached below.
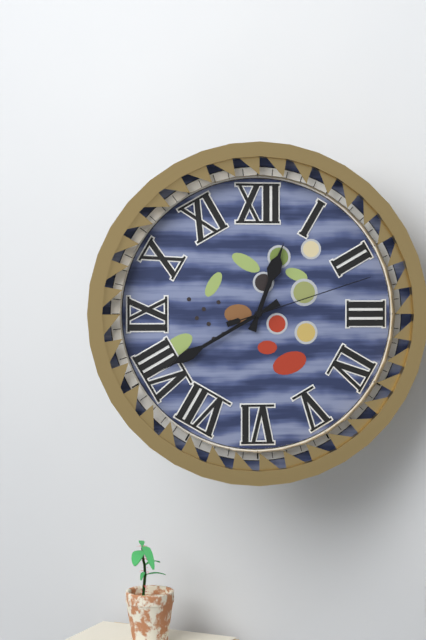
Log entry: 12 h 40 min 12 s
